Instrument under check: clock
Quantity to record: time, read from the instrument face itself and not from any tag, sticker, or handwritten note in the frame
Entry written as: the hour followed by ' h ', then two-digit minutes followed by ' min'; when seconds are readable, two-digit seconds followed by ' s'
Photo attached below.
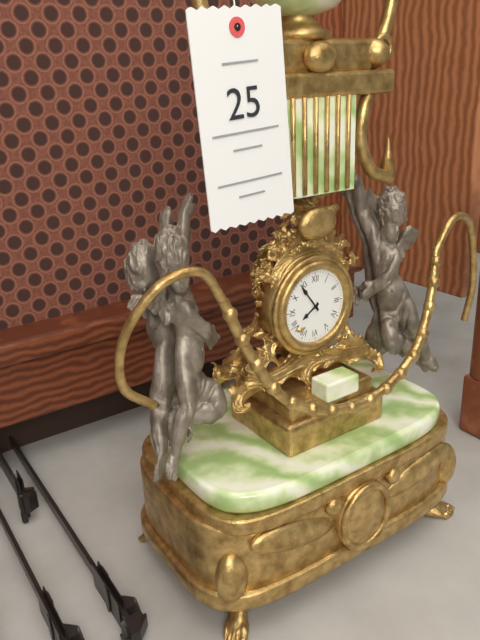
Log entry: 7 h 54 min
